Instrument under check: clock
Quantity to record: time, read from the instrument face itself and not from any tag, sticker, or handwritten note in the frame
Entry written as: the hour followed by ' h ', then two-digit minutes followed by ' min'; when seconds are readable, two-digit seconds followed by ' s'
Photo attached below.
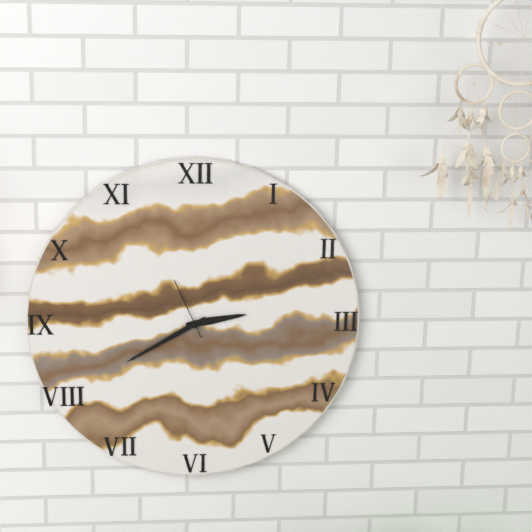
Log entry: 2 h 40 min 56 s
